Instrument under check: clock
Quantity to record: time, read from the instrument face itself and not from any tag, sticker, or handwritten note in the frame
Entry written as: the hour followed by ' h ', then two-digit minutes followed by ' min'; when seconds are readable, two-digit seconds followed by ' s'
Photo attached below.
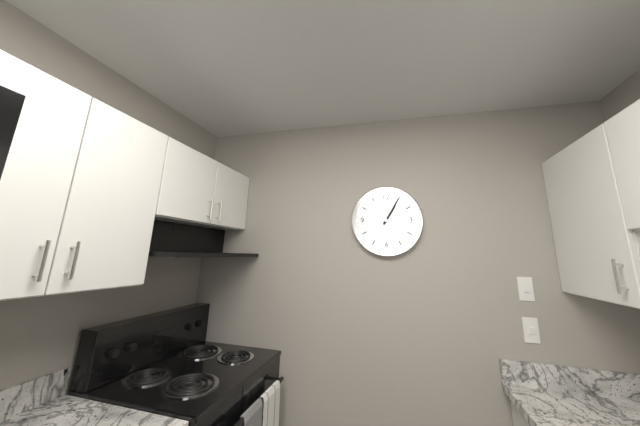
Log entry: 1 h 05 min
